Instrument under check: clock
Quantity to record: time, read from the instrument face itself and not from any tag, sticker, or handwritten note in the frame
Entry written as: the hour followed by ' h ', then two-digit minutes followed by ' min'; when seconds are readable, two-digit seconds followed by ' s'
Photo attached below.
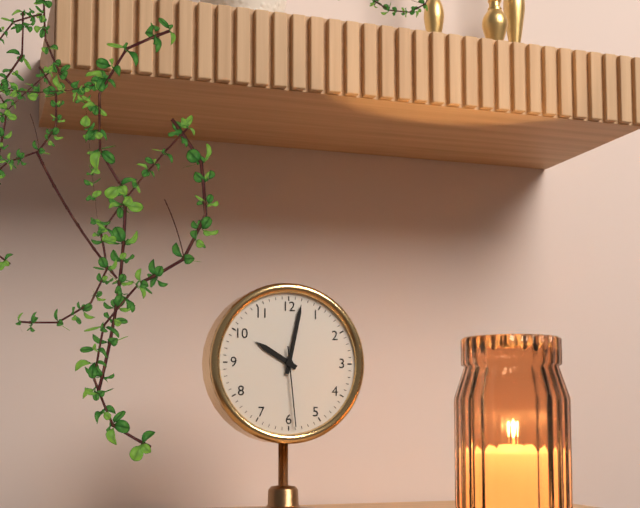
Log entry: 10 h 02 min 29 s
